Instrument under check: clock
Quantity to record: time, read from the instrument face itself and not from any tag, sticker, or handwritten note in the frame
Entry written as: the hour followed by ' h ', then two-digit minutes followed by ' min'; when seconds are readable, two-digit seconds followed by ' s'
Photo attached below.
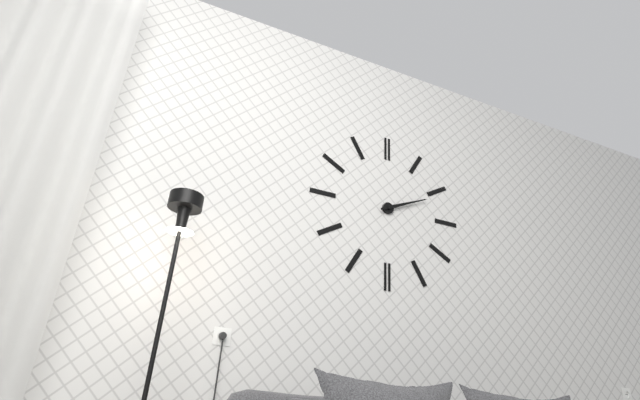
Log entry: 2 h 11 min
